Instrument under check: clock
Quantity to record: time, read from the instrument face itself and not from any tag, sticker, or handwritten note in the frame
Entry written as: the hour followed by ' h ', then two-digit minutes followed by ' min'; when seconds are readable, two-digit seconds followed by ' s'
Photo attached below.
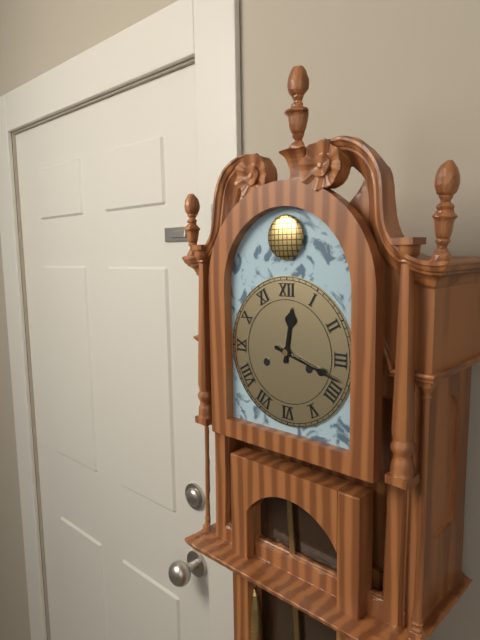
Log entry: 12 h 18 min
